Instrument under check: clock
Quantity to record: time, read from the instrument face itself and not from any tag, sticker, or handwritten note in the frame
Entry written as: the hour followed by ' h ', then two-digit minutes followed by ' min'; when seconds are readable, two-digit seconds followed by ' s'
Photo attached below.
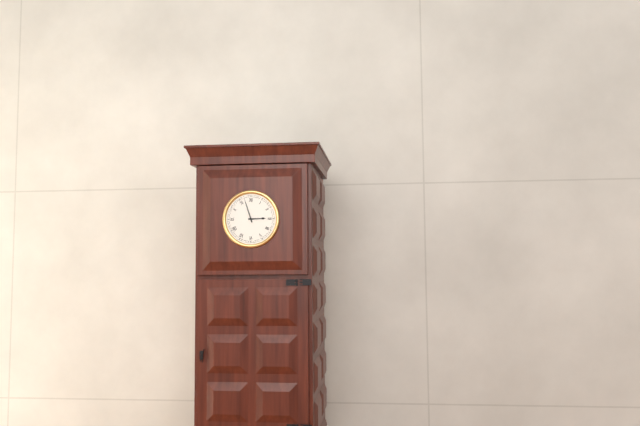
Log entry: 2 h 57 min
